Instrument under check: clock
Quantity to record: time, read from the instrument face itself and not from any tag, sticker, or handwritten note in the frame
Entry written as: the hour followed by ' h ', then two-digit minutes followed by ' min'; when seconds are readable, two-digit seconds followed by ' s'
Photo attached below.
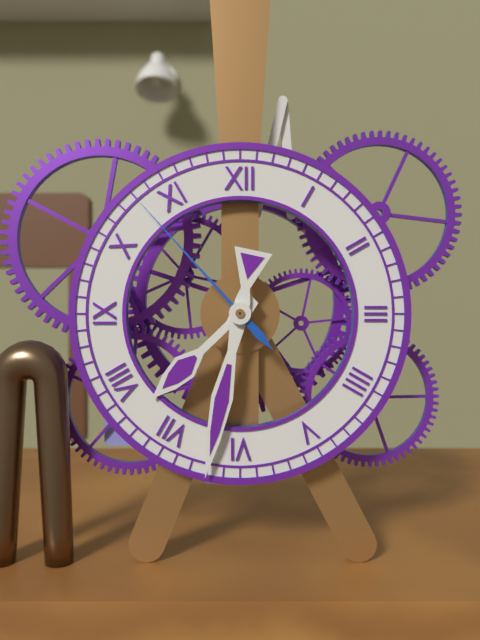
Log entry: 7 h 32 min 53 s
